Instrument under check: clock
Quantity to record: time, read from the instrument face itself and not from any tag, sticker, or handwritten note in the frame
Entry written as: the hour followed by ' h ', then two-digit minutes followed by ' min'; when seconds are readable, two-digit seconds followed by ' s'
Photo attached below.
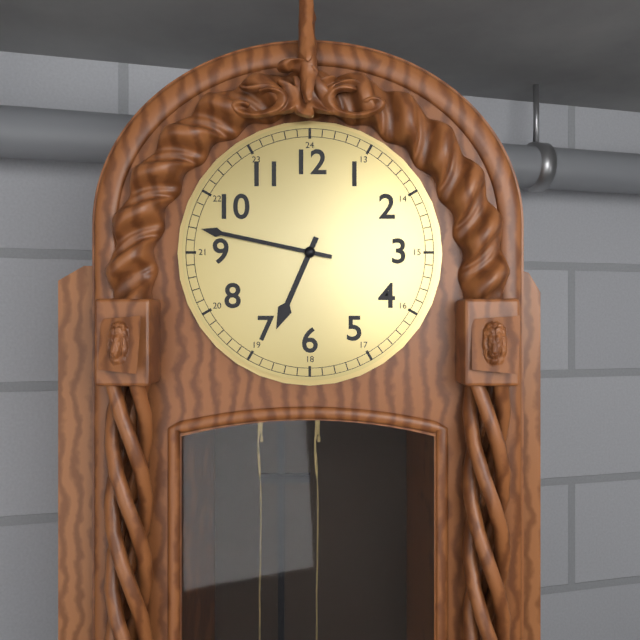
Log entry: 6 h 47 min
